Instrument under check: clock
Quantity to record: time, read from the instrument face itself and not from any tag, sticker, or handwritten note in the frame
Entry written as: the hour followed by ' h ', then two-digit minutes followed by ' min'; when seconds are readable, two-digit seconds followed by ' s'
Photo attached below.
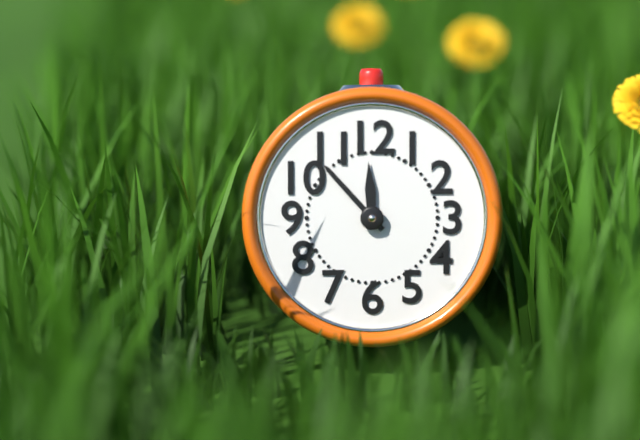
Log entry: 11 h 53 min
